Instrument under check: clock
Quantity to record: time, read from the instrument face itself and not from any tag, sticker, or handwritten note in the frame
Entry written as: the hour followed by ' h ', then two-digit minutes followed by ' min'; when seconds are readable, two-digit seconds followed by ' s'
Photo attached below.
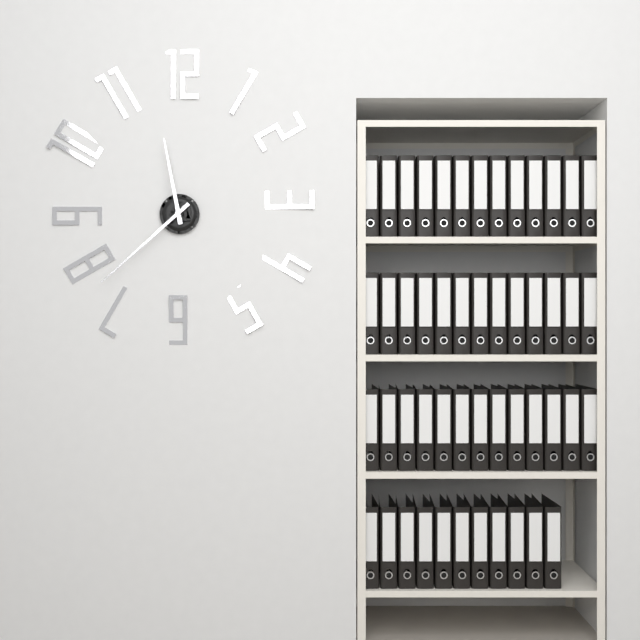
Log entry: 11 h 38 min
